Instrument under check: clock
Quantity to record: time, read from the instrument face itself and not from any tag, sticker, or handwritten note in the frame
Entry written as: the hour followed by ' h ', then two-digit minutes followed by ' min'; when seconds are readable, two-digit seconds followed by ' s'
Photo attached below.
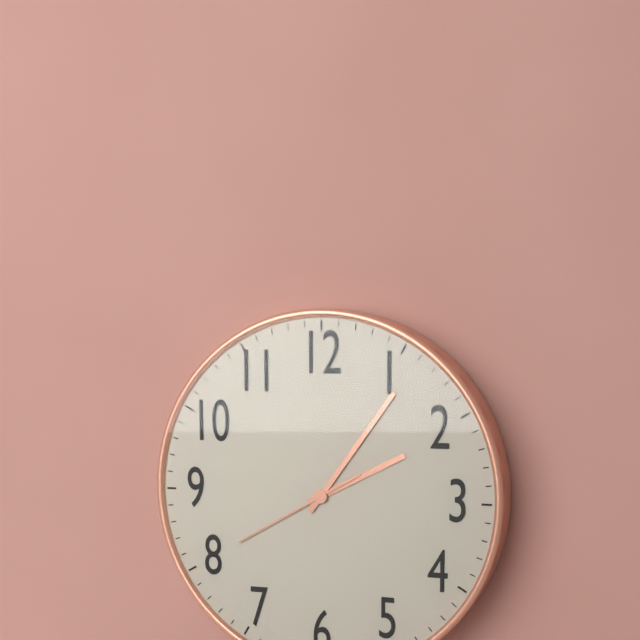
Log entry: 2 h 06 min 40 s
